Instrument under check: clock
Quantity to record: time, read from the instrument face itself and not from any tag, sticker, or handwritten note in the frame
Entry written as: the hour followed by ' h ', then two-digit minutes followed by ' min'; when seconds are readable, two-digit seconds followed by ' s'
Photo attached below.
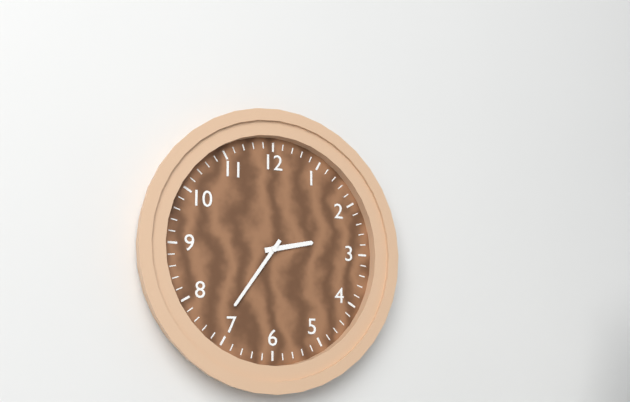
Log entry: 2 h 36 min
